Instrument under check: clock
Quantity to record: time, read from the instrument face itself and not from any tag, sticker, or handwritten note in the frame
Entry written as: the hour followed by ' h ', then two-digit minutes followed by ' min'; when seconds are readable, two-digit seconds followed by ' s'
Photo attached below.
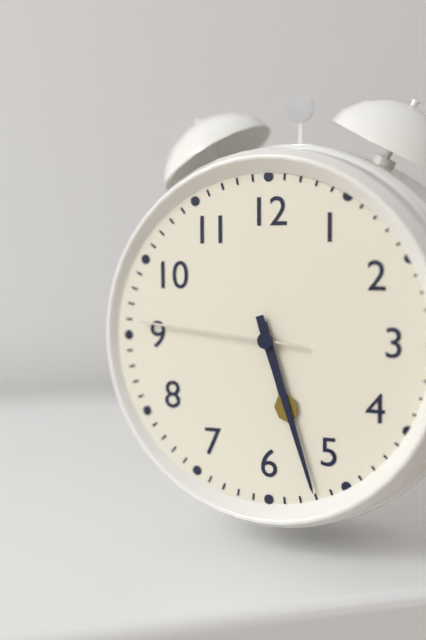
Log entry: 5 h 27 min 46 s
